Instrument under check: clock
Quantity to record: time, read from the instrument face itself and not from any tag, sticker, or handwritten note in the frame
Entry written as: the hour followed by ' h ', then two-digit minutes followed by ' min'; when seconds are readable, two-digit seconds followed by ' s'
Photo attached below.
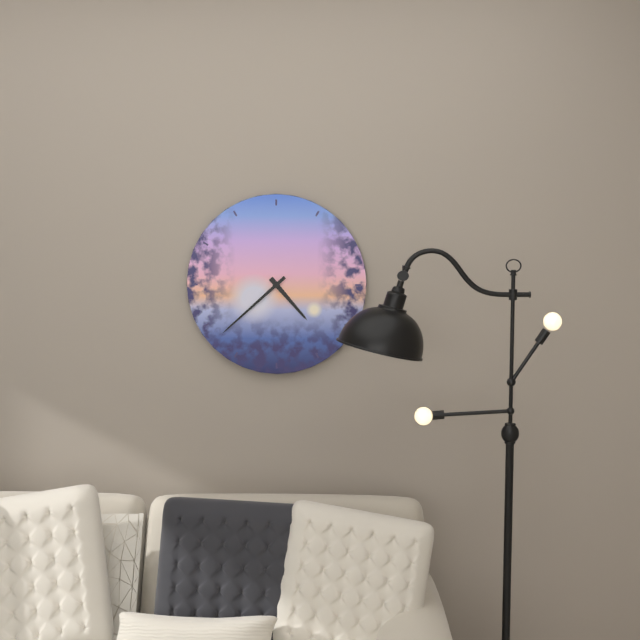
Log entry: 4 h 38 min
